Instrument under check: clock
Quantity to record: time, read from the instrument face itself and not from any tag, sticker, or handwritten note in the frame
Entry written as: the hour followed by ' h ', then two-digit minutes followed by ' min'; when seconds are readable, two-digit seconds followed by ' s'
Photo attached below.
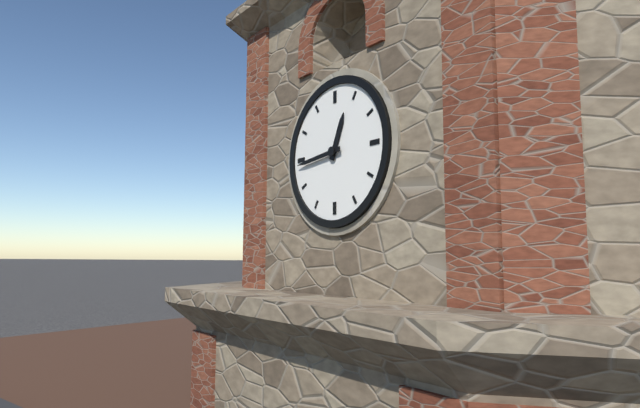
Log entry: 12 h 44 min
